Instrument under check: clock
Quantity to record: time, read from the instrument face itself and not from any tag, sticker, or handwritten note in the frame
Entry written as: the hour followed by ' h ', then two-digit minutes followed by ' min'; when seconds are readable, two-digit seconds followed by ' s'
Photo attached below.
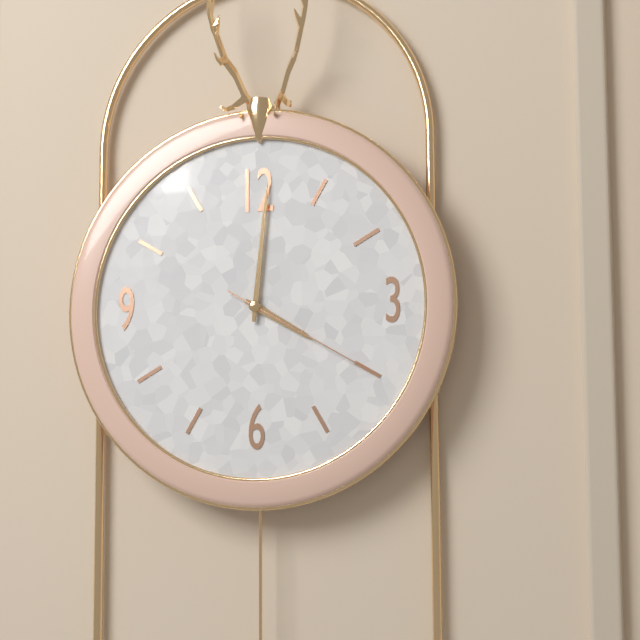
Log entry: 4 h 01 min 20 s
